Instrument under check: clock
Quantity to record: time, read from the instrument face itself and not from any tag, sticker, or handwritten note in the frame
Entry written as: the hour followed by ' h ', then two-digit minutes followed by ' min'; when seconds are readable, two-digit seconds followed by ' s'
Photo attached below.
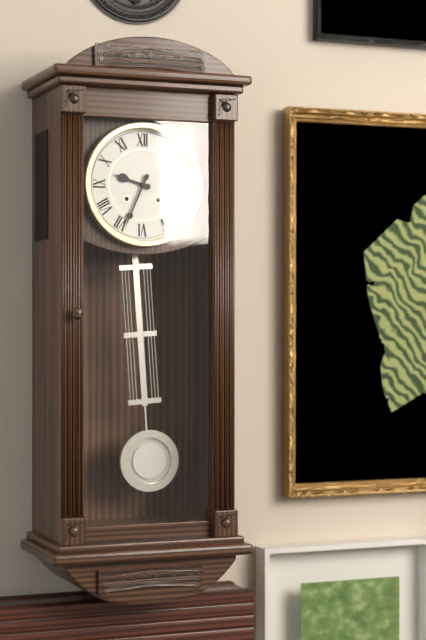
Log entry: 9 h 34 min
